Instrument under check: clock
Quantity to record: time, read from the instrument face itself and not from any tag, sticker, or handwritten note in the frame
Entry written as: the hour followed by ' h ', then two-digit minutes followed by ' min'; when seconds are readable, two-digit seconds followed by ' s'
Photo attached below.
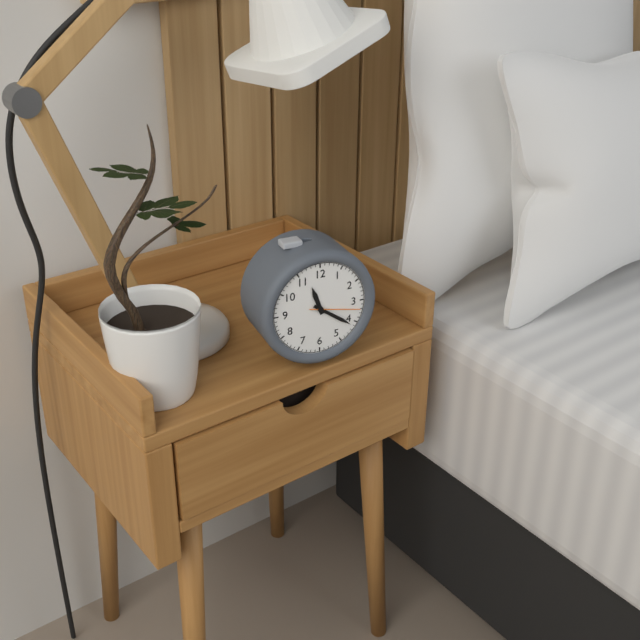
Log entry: 11 h 21 min 17 s
